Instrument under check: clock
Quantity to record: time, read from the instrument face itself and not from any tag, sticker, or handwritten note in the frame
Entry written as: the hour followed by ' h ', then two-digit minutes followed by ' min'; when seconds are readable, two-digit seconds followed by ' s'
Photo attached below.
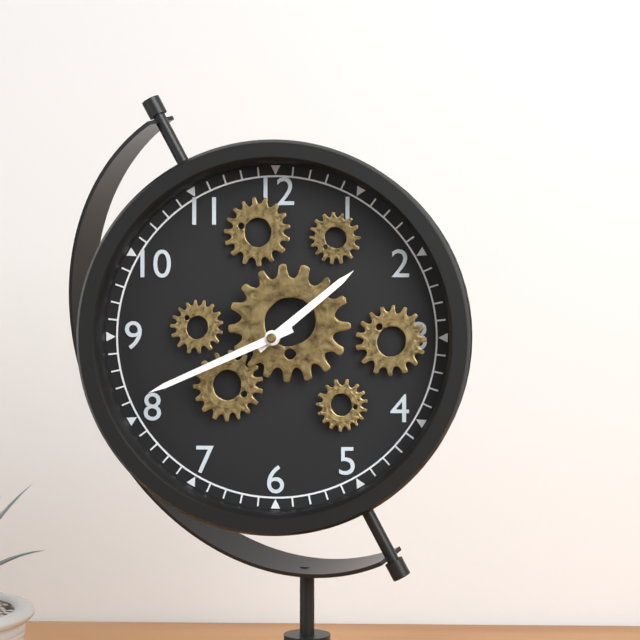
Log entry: 1 h 41 min
